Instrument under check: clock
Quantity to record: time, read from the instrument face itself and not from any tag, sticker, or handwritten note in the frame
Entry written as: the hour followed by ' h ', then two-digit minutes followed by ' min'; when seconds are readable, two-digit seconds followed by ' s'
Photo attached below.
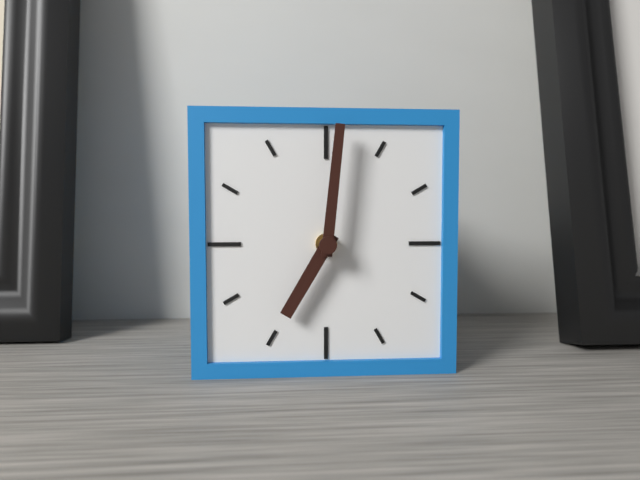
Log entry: 7 h 01 min
